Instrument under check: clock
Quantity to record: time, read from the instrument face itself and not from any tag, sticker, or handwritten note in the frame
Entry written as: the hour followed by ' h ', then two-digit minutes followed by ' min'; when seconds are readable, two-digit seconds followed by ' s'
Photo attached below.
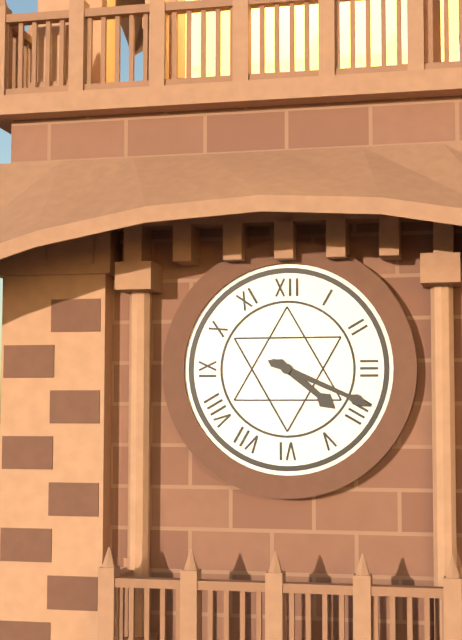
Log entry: 4 h 19 min
